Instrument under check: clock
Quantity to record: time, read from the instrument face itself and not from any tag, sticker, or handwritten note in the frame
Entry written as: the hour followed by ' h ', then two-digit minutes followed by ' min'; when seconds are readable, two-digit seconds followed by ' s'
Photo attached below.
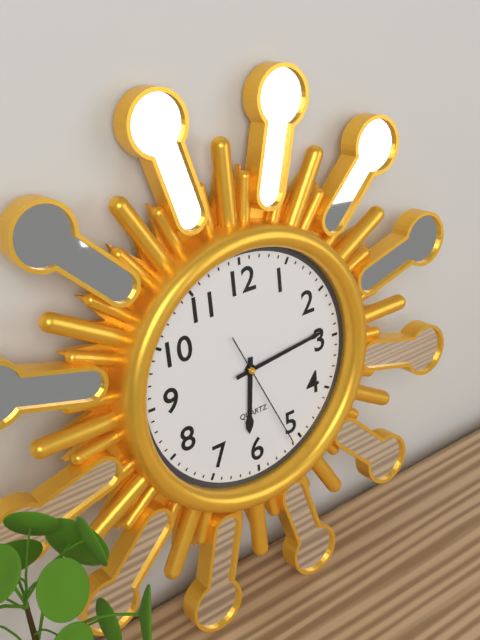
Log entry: 6 h 14 min 26 s
